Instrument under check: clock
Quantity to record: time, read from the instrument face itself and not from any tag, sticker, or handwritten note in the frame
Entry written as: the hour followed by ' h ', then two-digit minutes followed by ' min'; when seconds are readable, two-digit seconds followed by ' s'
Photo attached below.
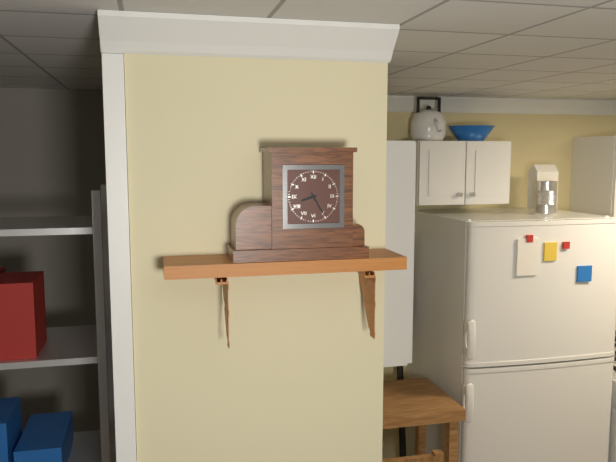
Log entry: 8 h 25 min
